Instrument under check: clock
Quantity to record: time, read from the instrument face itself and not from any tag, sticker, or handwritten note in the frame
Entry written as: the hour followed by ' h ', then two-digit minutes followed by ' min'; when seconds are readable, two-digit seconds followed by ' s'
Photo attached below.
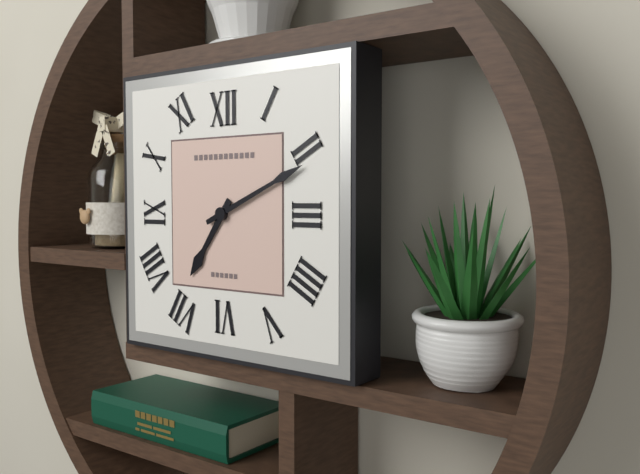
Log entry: 7 h 11 min
